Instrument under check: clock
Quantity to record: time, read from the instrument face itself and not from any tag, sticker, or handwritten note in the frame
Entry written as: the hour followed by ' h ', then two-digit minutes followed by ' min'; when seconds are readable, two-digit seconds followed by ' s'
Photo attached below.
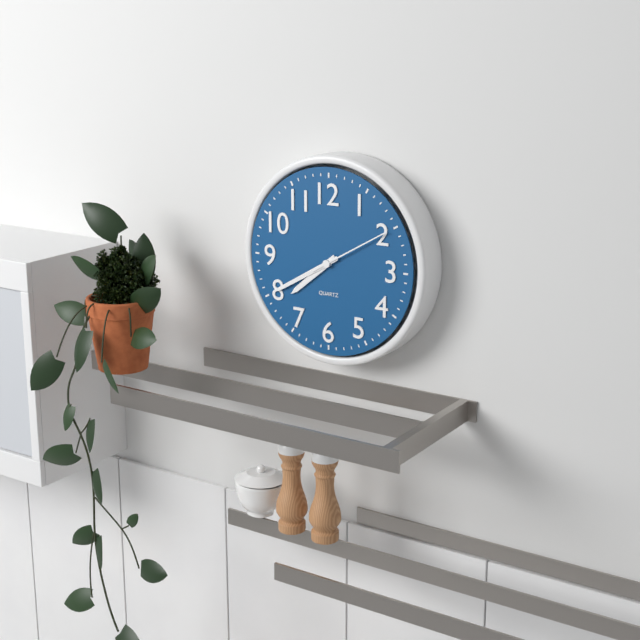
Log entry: 7 h 40 min 10 s
